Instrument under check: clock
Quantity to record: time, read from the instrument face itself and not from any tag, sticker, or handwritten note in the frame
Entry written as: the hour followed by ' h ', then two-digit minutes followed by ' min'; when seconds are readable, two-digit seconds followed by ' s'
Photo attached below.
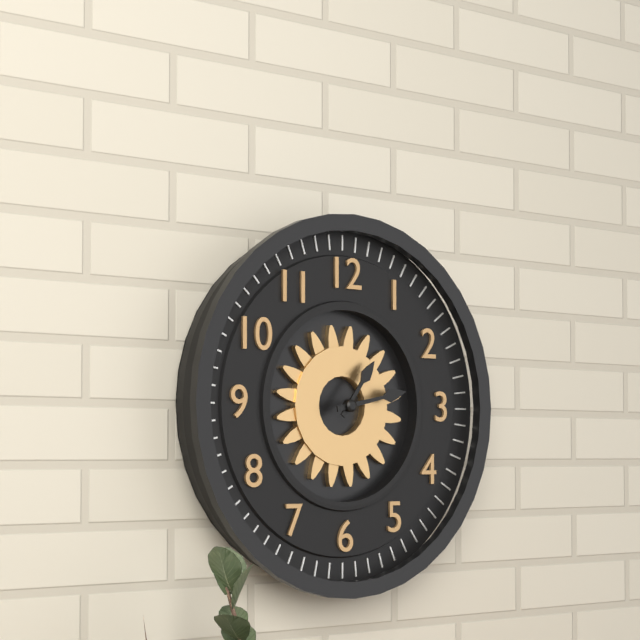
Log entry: 1 h 13 min
